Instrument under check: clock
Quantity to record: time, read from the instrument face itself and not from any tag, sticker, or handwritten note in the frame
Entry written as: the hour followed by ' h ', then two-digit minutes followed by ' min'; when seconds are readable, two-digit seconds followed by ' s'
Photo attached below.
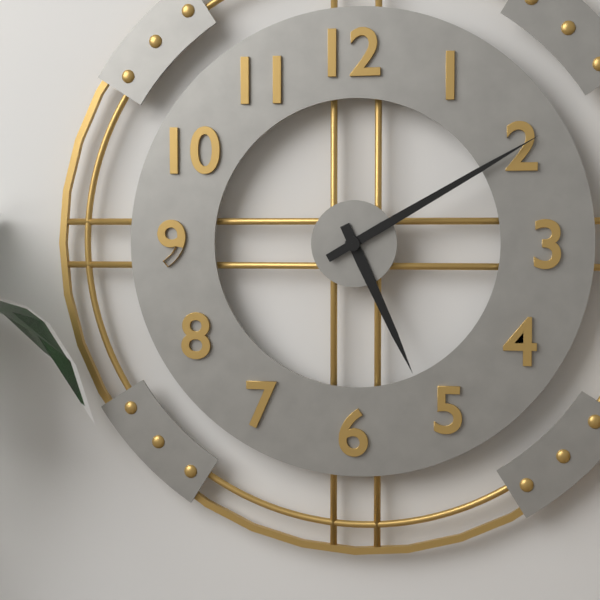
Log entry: 5 h 10 min
